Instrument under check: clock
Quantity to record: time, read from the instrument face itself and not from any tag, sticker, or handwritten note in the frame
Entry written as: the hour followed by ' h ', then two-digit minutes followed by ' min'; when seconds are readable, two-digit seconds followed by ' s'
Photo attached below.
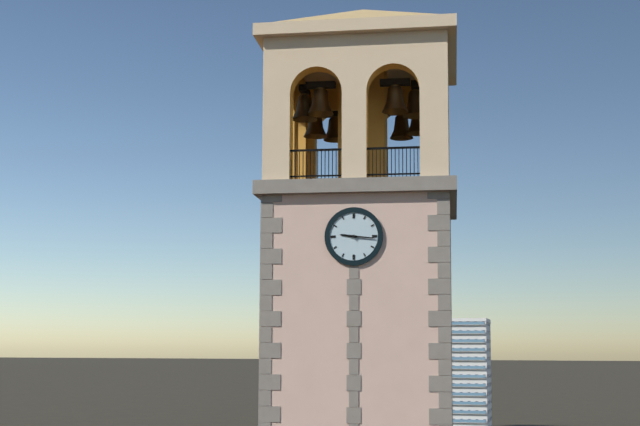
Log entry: 9 h 16 min
